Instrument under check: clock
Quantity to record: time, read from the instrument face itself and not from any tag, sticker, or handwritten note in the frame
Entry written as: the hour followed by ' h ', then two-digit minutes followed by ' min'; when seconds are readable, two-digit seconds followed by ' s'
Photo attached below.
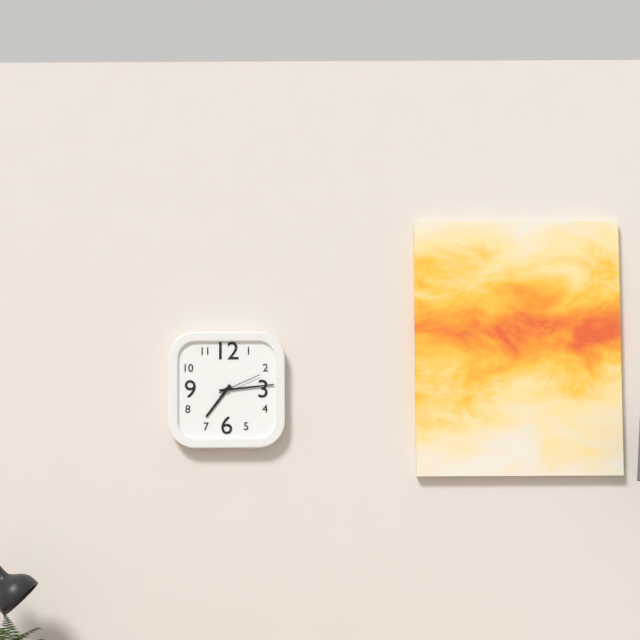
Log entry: 7 h 14 min
